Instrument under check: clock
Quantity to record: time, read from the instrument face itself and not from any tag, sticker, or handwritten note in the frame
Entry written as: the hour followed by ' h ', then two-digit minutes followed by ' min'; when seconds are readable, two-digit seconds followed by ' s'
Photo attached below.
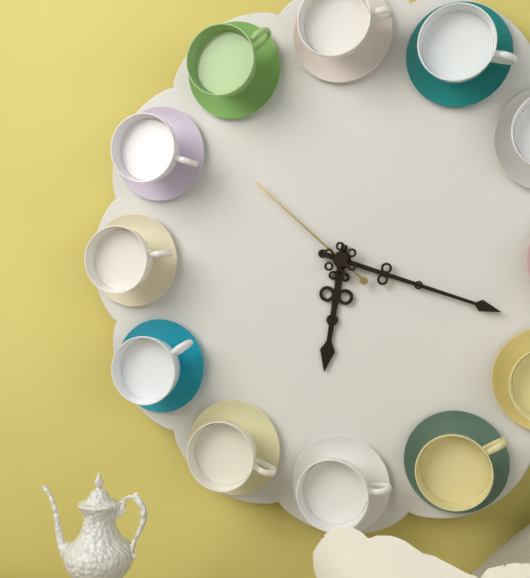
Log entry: 6 h 18 min 52 s
